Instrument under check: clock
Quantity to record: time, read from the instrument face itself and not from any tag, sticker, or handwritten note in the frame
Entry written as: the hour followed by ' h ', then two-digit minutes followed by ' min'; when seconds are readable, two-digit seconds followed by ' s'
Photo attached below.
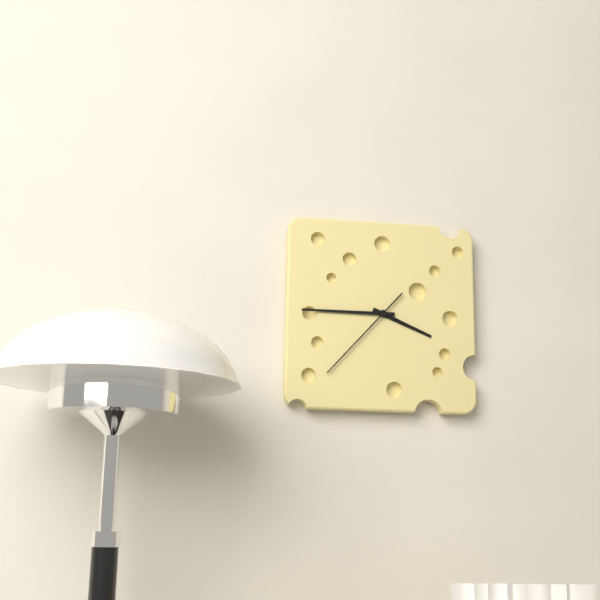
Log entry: 3 h 45 min 37 s
